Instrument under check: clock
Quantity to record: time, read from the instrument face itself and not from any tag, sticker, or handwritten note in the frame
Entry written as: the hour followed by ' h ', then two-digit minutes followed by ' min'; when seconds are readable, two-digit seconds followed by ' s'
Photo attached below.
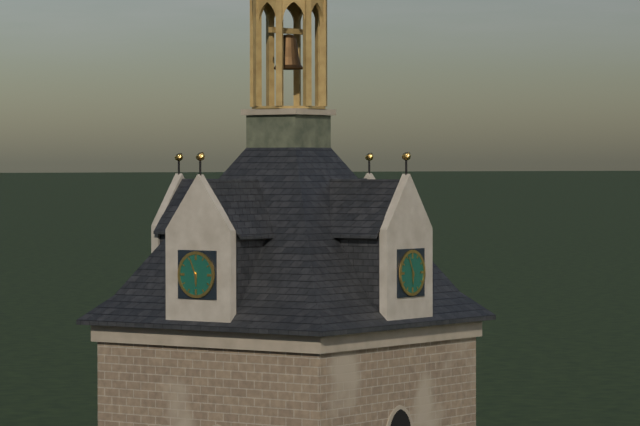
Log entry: 5 h 56 min
